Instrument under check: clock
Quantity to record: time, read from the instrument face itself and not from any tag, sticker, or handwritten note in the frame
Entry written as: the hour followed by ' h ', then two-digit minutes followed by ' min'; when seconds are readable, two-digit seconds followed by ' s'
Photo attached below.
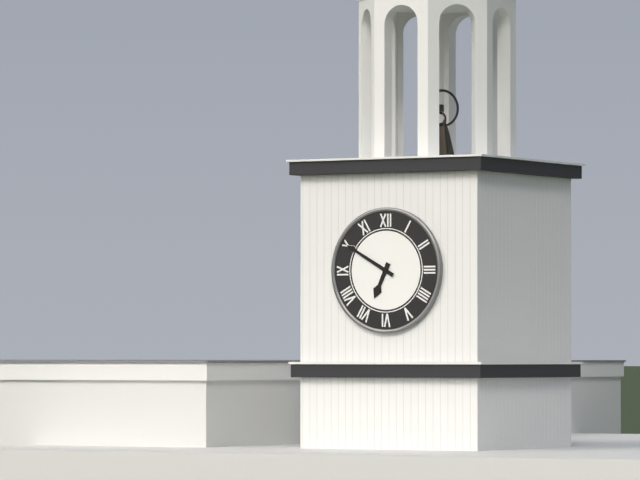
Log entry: 6 h 50 min
